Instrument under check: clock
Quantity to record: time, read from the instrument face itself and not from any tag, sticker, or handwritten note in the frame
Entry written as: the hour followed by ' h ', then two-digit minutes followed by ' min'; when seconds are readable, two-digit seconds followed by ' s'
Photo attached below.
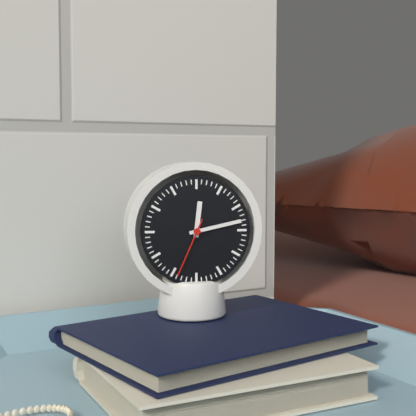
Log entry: 12 h 13 min 34 s
